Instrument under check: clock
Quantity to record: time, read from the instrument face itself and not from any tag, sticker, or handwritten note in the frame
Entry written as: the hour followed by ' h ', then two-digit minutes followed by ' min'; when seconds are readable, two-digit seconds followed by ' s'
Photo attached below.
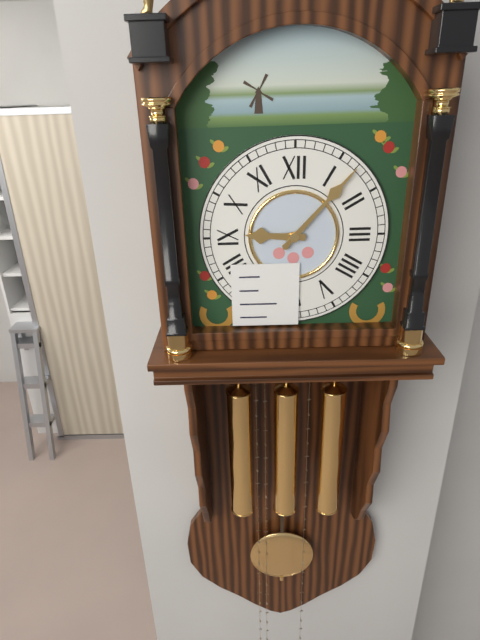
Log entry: 9 h 07 min
